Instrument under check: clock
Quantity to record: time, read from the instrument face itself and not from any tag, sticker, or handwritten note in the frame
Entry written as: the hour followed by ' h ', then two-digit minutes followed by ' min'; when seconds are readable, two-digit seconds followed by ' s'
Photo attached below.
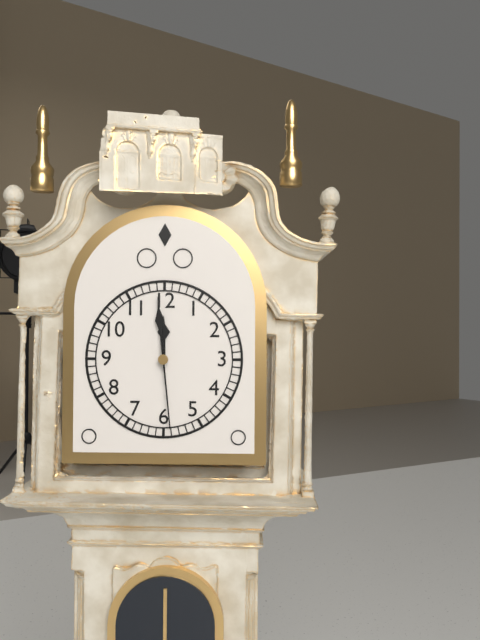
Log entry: 11 h 59 min 29 s
